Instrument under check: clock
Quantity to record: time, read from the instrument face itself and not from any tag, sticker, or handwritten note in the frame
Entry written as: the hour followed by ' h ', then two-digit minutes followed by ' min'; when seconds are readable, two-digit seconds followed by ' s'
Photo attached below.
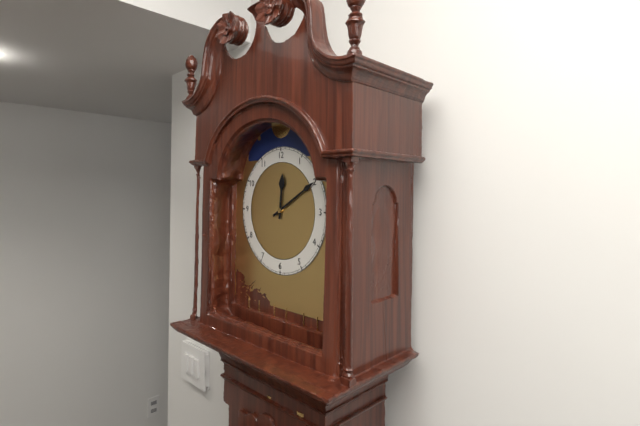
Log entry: 12 h 10 min
